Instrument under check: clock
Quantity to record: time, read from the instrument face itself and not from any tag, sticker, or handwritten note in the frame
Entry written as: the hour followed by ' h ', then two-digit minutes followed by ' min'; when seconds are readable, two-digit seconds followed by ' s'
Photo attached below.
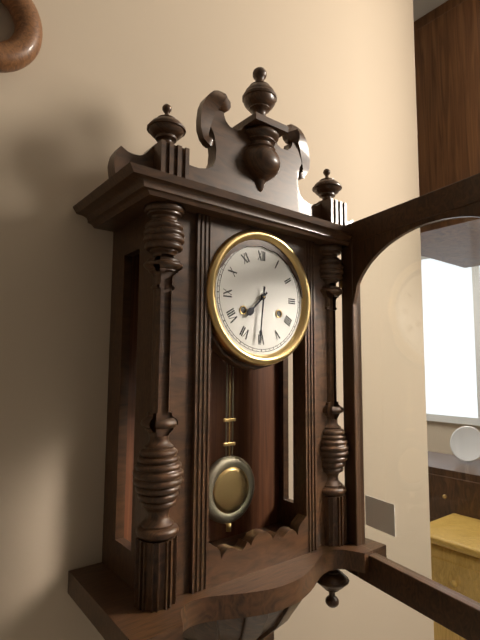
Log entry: 7 h 31 min
